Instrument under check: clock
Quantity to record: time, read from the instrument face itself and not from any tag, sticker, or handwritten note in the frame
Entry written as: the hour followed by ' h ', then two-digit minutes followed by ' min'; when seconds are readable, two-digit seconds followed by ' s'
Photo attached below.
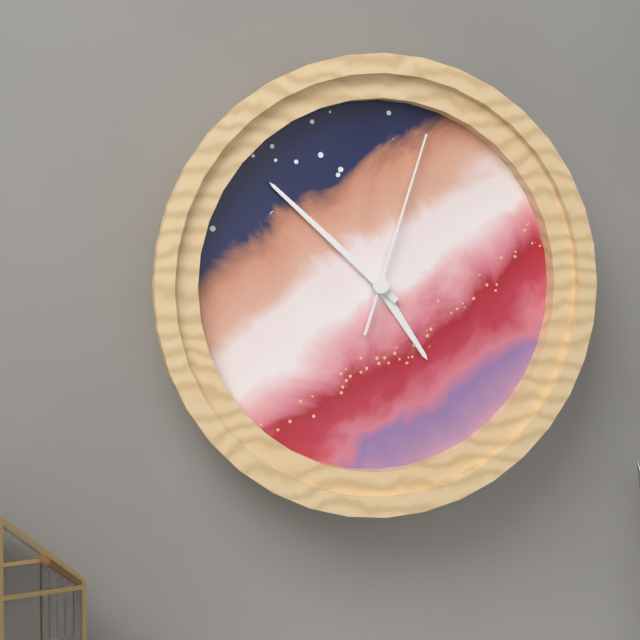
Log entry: 4 h 52 min 03 s
